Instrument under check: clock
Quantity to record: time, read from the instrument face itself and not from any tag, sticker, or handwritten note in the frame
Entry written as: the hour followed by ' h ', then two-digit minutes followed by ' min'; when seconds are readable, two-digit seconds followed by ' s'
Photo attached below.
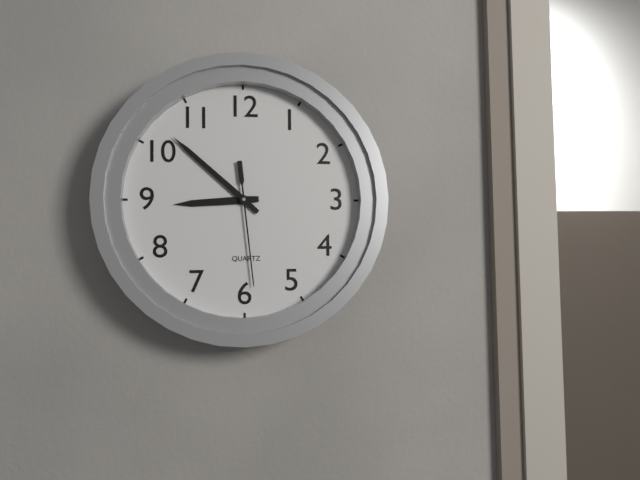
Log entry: 8 h 52 min 29 s
